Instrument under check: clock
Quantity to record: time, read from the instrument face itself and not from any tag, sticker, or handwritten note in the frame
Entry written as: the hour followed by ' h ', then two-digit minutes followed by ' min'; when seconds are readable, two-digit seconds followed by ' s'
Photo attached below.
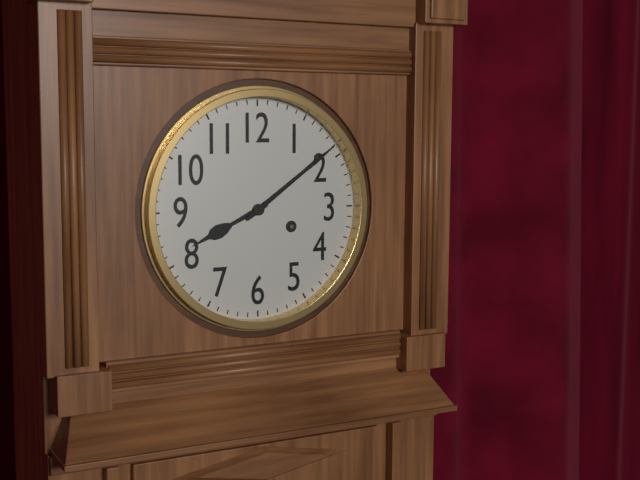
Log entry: 8 h 09 min
